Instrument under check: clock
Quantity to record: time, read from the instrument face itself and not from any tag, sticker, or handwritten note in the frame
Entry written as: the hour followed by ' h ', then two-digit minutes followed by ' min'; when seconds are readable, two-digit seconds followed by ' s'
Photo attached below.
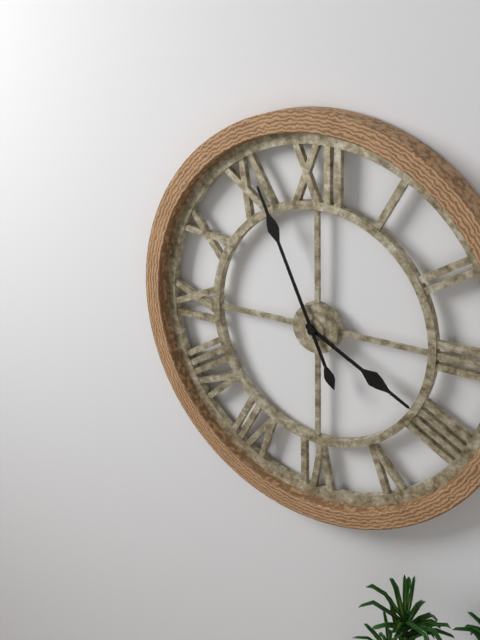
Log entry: 3 h 56 min
